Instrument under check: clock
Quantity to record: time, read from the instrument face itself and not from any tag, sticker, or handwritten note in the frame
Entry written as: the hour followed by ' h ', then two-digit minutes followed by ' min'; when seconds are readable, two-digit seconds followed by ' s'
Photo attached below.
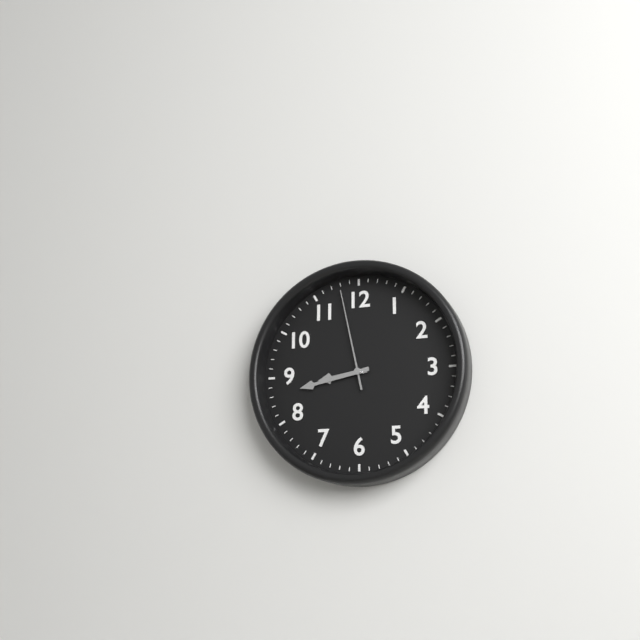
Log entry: 8 h 43 min 58 s
